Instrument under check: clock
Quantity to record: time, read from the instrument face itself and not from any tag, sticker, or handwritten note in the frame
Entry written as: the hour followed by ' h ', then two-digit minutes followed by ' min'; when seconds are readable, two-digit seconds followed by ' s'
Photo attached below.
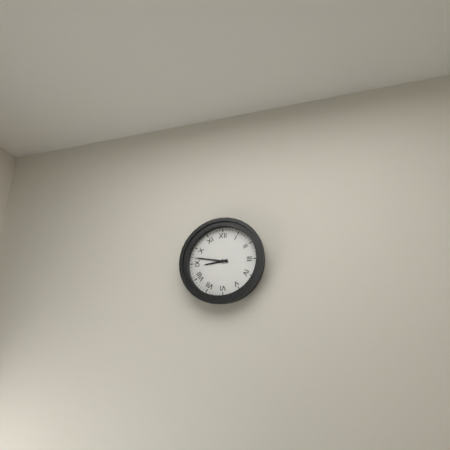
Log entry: 8 h 47 min
